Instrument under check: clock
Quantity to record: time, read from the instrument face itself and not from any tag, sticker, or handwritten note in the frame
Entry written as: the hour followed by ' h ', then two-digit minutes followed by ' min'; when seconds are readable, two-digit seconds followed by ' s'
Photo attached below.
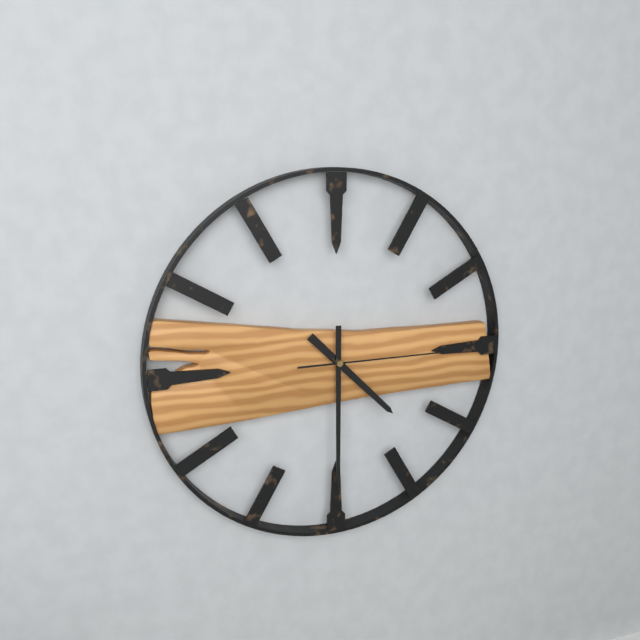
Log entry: 4 h 30 min 15 s
